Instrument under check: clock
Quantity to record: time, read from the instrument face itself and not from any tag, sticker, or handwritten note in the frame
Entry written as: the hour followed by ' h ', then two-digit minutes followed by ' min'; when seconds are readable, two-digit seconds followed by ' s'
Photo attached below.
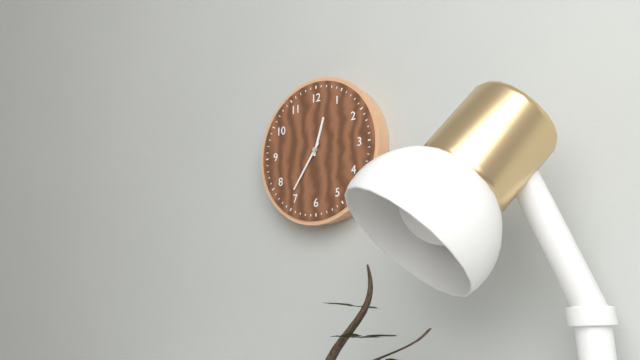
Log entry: 12 h 36 min
